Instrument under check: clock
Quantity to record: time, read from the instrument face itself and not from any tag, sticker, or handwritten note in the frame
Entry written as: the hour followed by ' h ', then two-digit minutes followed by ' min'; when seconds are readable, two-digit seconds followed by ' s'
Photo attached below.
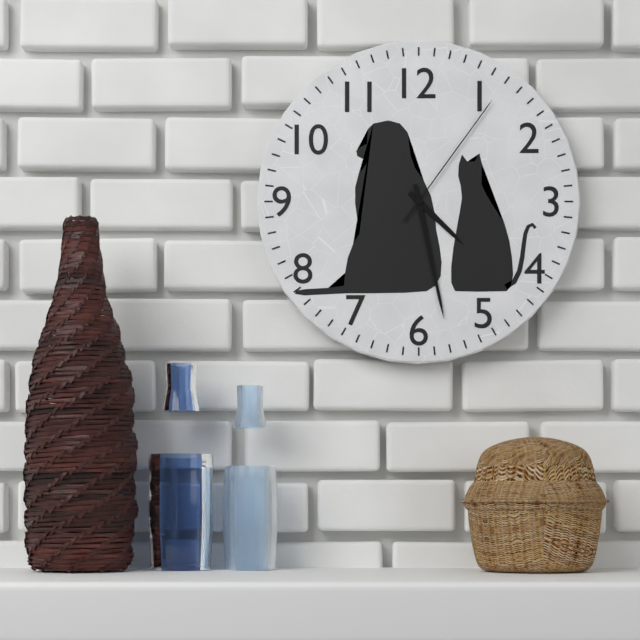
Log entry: 4 h 28 min 06 s
